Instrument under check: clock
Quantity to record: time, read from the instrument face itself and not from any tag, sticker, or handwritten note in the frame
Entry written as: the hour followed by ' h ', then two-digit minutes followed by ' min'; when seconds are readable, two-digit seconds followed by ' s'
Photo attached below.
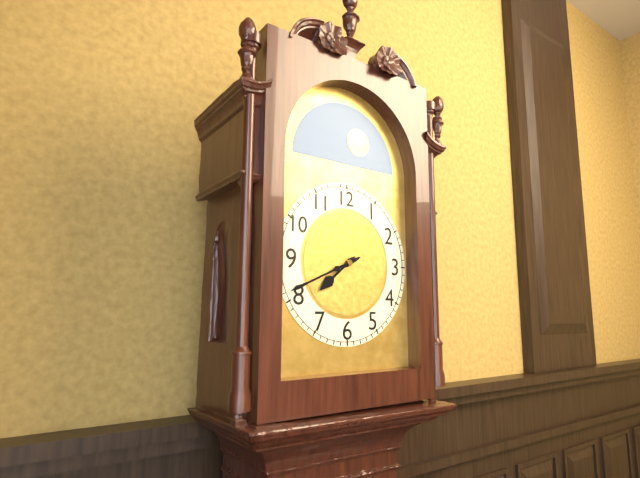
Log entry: 7 h 41 min
